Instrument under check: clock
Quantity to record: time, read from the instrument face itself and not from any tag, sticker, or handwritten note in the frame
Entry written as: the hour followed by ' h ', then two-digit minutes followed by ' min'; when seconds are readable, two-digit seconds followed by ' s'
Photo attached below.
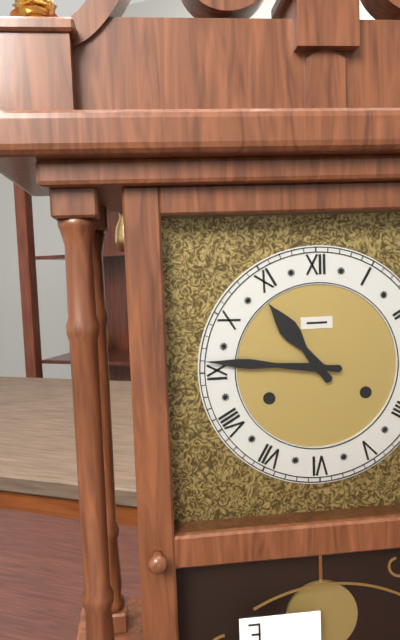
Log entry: 10 h 46 min
